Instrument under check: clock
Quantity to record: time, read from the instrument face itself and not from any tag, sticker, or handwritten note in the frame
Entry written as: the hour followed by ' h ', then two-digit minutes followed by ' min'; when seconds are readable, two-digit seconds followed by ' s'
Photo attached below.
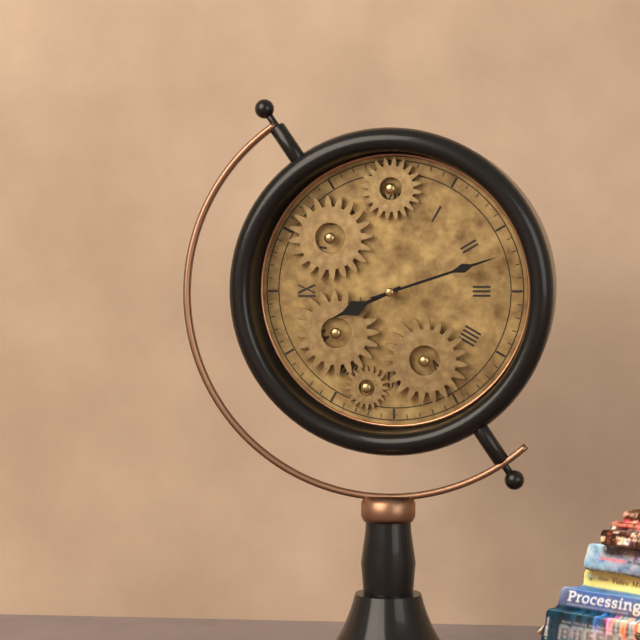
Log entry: 8 h 12 min
